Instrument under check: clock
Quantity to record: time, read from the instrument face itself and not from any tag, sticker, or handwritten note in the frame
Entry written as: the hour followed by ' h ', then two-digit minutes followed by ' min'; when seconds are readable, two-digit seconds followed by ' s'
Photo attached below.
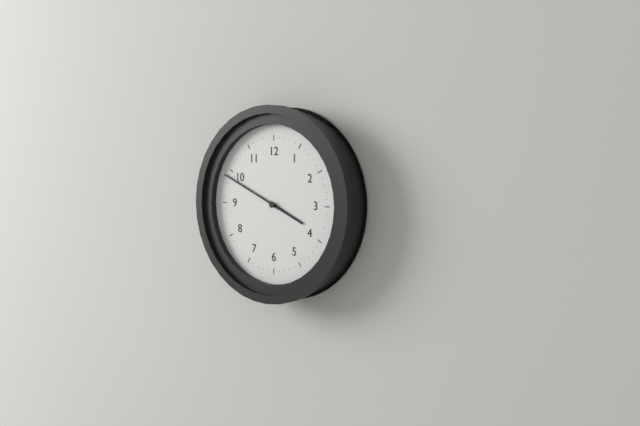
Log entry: 3 h 49 min
